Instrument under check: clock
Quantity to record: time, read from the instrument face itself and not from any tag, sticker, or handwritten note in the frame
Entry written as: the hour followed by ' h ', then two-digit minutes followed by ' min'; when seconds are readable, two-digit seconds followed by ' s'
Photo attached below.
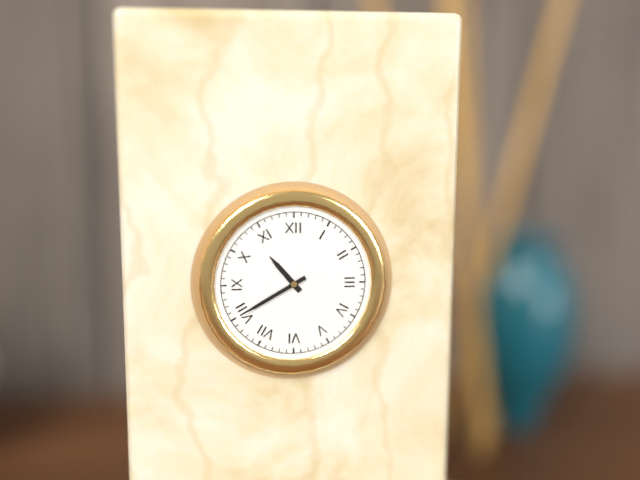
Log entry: 10 h 40 min
